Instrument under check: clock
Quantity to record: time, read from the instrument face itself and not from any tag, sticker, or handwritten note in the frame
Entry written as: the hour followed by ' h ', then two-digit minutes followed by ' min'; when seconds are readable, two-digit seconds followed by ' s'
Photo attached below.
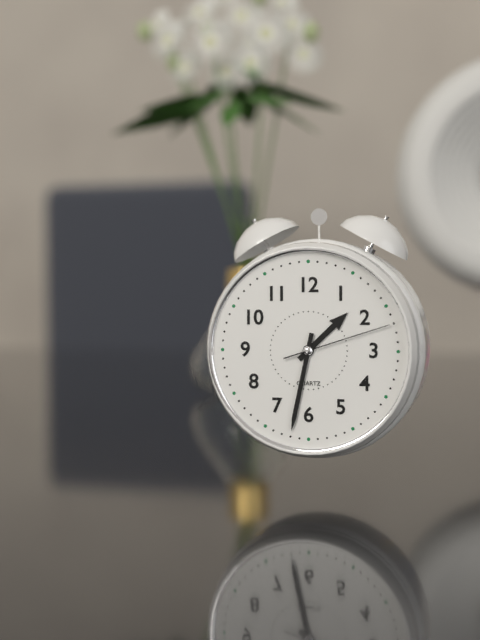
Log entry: 1 h 32 min 12 s
